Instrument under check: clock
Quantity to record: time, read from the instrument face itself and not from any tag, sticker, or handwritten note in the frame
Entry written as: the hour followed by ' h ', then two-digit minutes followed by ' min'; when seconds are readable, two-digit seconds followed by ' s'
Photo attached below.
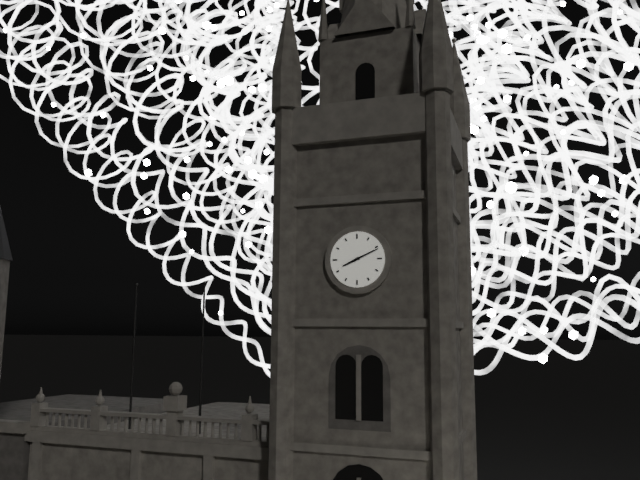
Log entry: 8 h 11 min
